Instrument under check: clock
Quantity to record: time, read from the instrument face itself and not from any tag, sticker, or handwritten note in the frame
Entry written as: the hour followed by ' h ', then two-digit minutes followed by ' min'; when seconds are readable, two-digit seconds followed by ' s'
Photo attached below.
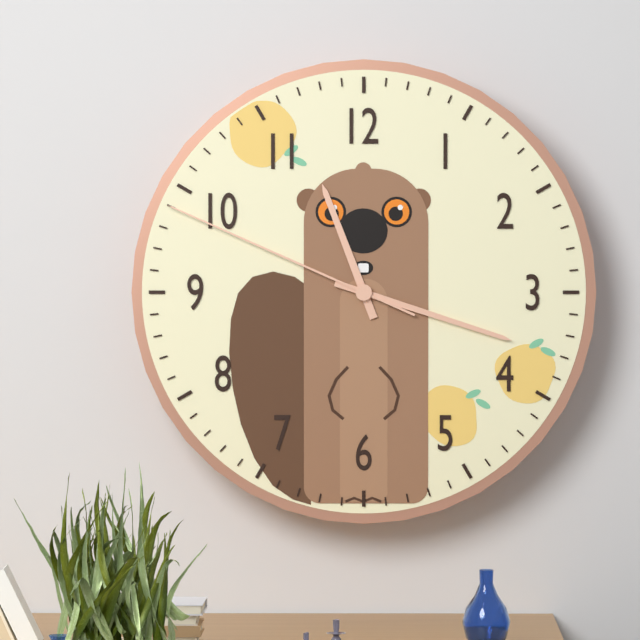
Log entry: 11 h 18 min 49 s
